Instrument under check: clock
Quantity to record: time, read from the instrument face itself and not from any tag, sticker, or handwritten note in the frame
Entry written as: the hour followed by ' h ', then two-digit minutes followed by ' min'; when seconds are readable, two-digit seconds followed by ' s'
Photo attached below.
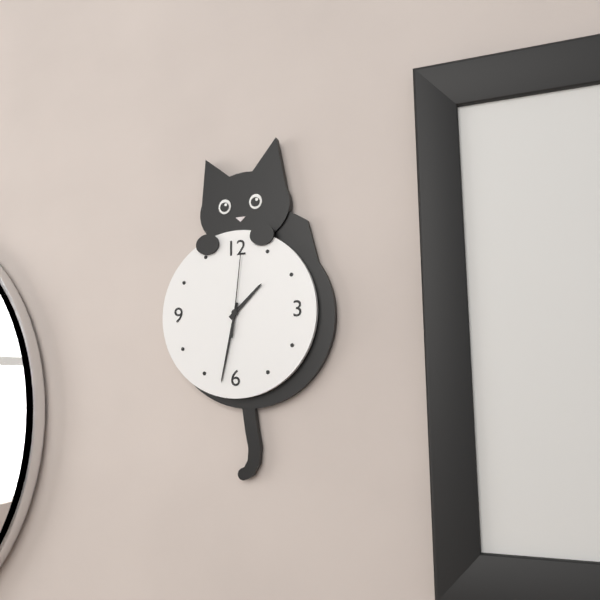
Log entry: 1 h 32 min 01 s
